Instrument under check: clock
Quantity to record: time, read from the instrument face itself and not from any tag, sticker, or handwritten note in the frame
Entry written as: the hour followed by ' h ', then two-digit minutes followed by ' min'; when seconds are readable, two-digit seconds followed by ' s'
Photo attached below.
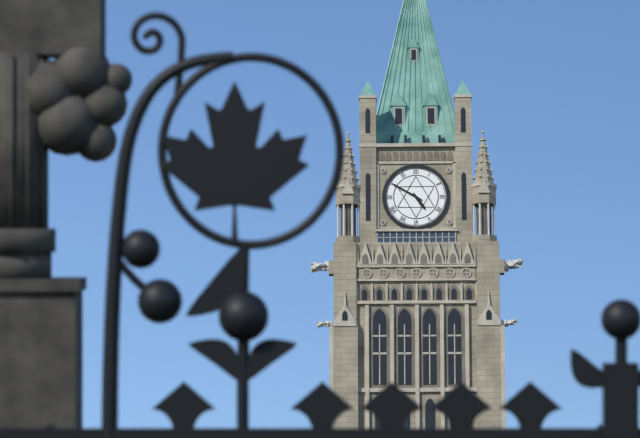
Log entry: 4 h 50 min
